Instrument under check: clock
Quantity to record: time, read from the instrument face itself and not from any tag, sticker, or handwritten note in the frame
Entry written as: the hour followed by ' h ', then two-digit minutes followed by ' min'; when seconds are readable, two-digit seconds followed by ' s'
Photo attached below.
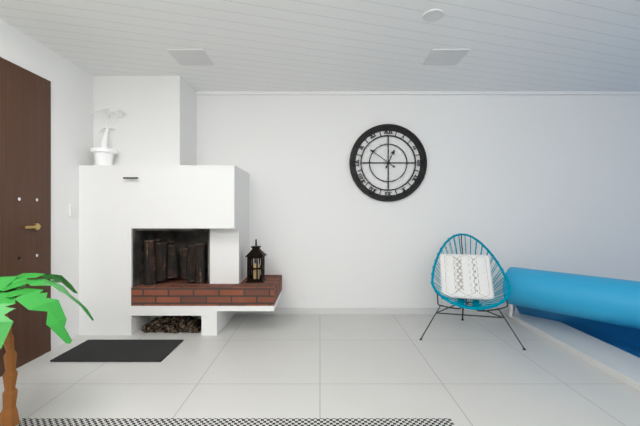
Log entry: 12 h 51 min
